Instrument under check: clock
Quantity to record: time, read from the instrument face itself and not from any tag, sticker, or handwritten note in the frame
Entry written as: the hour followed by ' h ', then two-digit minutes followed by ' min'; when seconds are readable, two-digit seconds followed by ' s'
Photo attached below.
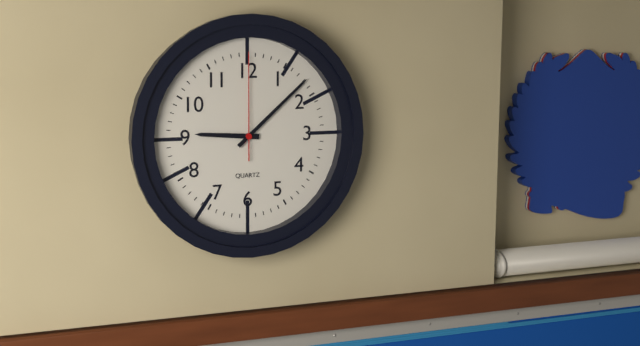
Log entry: 9 h 08 min 00 s
